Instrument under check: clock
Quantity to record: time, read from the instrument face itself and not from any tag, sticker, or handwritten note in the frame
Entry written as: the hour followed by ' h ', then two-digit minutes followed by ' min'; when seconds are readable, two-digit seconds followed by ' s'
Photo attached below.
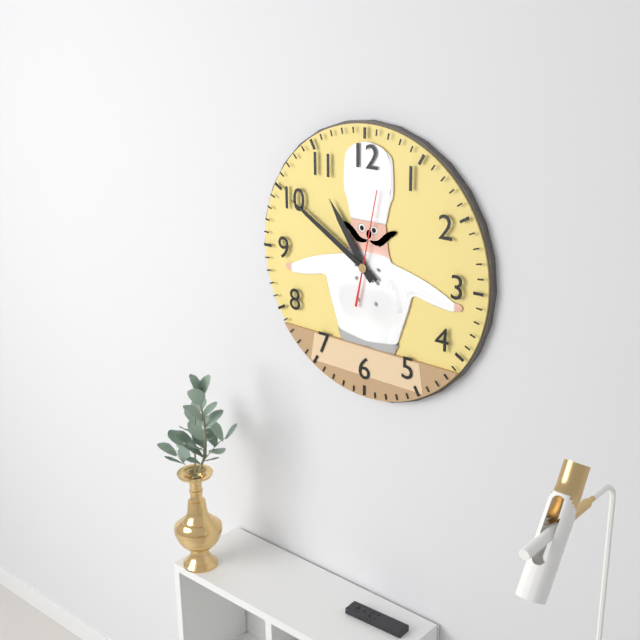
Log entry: 10 h 50 min 02 s
